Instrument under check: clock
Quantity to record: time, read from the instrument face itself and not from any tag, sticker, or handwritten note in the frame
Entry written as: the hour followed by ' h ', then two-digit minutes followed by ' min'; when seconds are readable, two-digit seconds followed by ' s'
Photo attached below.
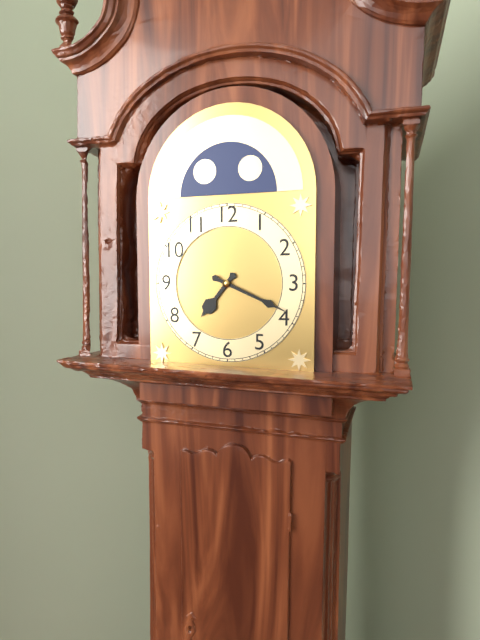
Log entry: 7 h 19 min
